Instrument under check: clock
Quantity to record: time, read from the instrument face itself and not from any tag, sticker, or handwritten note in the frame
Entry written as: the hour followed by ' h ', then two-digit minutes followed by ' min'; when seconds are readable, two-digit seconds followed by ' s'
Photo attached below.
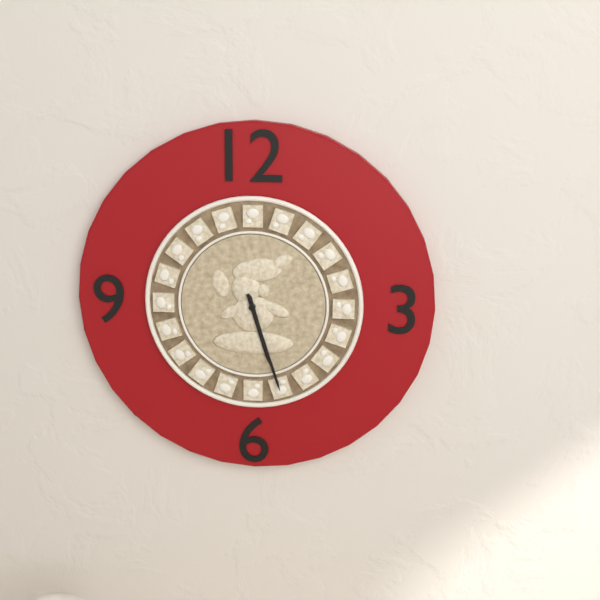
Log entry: 5 h 27 min
